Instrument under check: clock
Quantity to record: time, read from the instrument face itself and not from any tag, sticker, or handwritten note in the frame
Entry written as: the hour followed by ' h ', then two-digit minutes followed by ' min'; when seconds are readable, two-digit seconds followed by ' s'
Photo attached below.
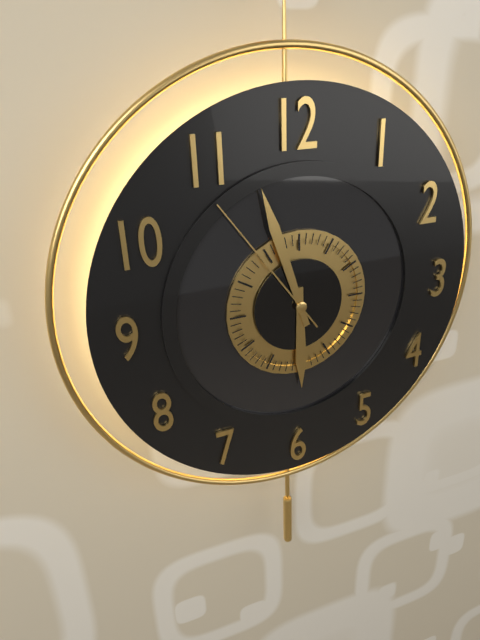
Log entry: 5 h 57 min 54 s
